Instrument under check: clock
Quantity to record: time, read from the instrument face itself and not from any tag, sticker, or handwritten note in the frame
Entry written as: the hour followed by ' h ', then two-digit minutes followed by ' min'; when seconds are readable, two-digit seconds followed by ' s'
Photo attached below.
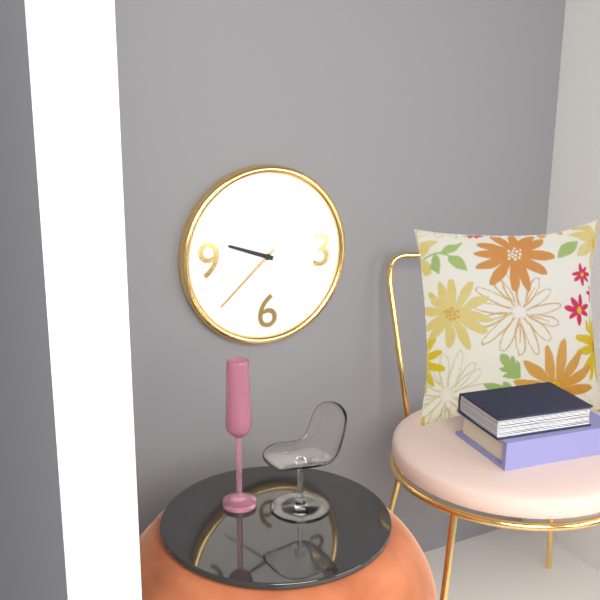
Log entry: 9 h 38 min
